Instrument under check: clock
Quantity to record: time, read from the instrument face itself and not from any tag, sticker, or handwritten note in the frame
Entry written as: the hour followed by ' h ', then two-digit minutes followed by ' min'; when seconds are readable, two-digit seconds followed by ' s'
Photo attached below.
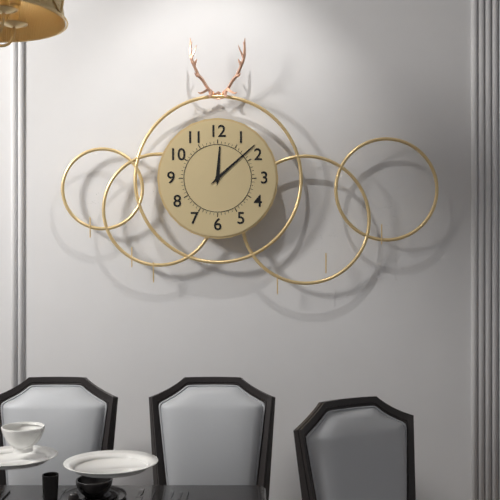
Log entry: 12 h 08 min
